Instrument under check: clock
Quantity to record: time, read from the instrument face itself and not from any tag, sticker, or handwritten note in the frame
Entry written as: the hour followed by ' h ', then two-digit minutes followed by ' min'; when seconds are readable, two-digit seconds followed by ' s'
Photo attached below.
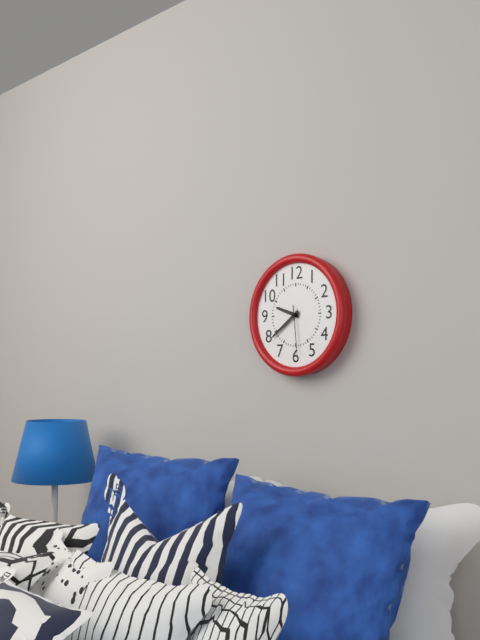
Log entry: 9 h 39 min 29 s
